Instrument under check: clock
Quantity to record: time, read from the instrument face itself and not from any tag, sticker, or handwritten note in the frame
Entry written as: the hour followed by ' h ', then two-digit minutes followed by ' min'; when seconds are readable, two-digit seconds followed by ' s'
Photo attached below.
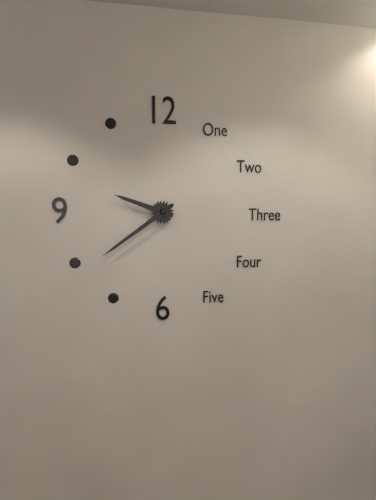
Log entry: 9 h 39 min
